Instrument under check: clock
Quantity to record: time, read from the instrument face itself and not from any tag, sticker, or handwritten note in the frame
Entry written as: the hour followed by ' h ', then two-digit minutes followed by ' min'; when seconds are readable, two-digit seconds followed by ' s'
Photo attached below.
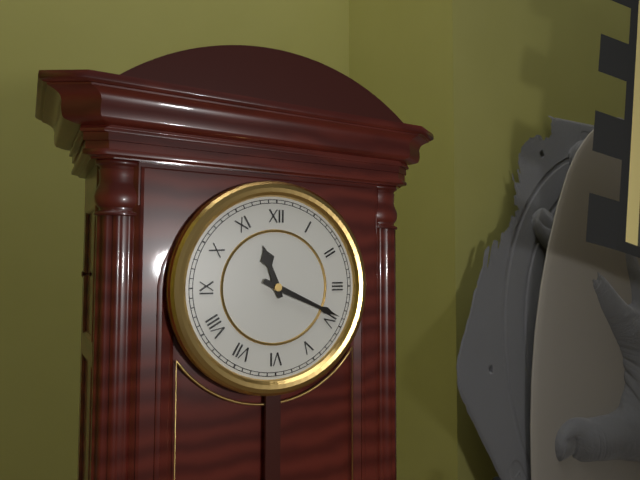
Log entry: 11 h 19 min
